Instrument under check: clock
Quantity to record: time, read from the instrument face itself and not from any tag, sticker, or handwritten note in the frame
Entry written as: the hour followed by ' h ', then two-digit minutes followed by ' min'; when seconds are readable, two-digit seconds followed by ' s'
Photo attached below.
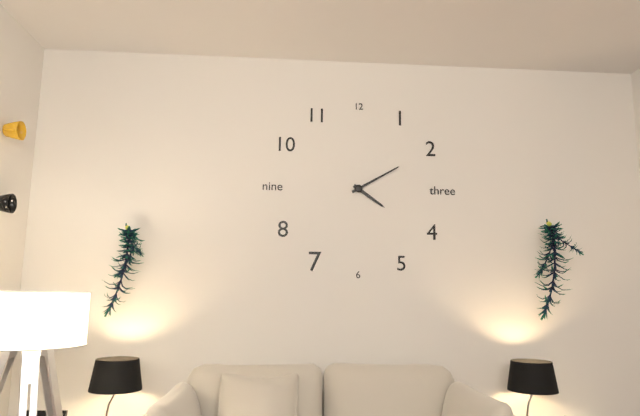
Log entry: 4 h 10 min
